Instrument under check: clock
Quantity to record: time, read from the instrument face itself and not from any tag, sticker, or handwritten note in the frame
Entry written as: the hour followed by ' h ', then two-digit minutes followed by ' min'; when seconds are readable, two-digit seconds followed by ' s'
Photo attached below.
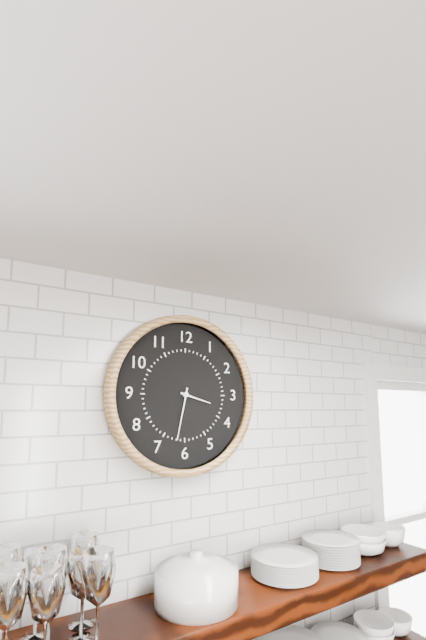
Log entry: 3 h 32 min
